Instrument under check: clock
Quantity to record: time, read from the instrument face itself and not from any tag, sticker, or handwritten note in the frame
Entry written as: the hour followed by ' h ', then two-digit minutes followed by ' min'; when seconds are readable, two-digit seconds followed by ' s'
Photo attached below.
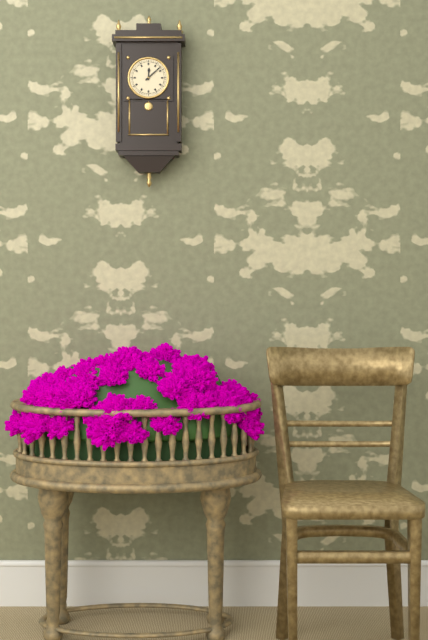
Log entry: 12 h 08 min
